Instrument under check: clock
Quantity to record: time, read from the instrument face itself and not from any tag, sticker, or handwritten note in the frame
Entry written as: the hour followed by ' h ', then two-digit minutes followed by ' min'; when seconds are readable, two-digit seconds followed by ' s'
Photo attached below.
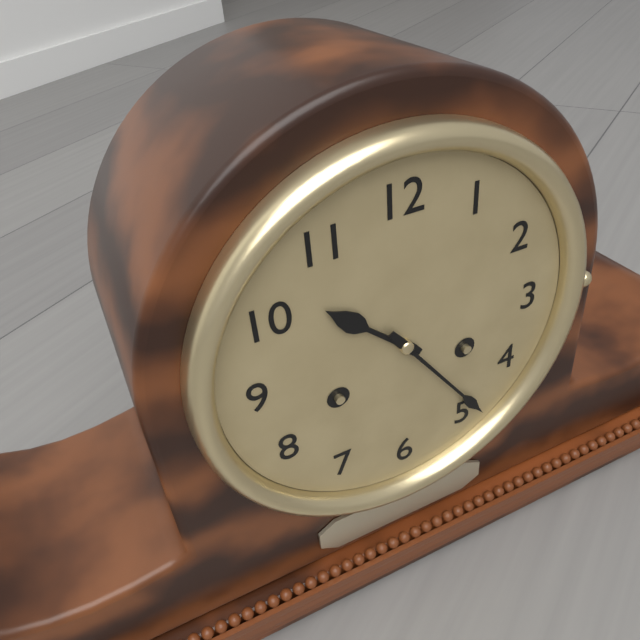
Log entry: 10 h 24 min
